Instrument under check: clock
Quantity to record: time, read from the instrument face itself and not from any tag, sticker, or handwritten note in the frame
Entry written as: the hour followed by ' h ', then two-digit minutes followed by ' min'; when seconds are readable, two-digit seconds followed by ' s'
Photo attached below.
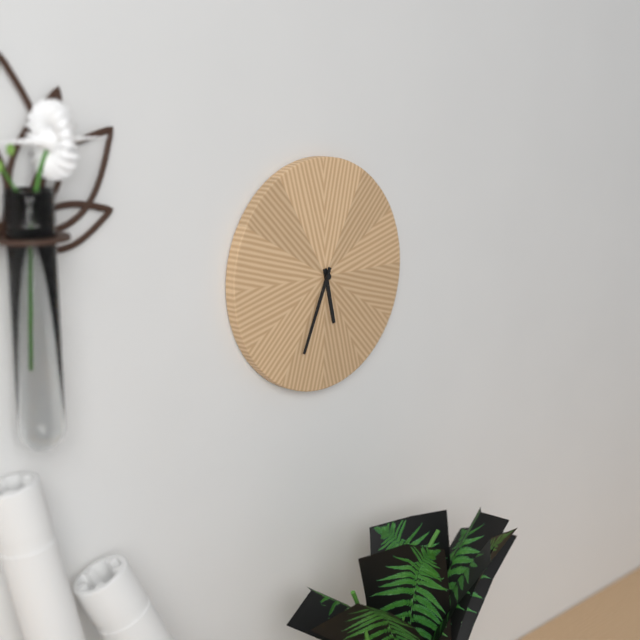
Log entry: 5 h 34 min
